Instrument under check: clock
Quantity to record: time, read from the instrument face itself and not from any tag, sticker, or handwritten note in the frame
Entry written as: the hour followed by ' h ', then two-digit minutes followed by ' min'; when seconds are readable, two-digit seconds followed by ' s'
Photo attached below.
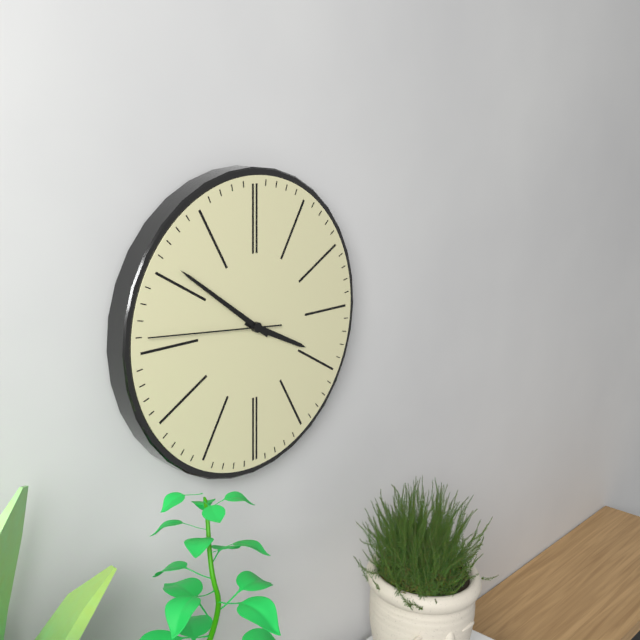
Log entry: 3 h 51 min 46 s
